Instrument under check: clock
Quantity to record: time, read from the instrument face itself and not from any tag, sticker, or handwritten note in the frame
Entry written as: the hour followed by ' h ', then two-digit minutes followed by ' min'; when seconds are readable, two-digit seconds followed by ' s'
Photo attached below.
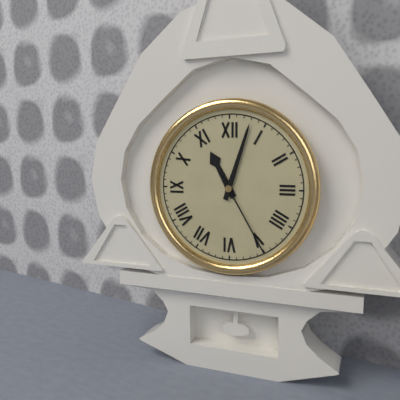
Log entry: 11 h 03 min 25 s
